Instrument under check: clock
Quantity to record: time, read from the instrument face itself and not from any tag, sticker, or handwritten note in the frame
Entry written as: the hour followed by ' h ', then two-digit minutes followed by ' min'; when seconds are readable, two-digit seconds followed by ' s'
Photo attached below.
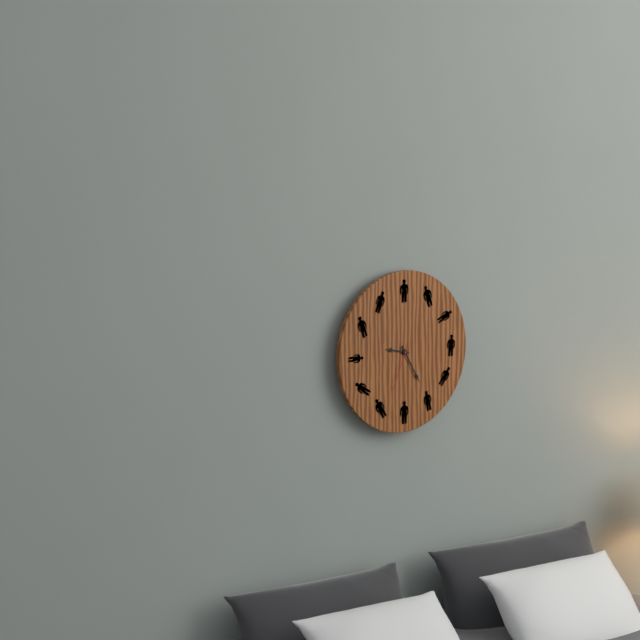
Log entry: 9 h 25 min
